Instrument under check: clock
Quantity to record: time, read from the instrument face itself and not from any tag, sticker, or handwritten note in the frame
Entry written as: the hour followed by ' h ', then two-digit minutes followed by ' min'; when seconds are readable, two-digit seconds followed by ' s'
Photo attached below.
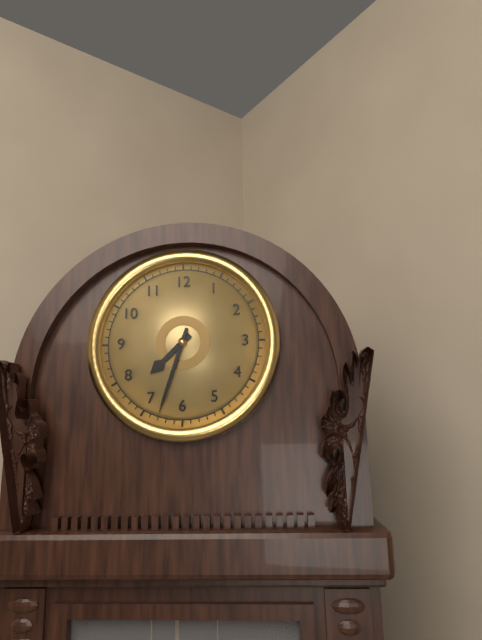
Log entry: 7 h 33 min
